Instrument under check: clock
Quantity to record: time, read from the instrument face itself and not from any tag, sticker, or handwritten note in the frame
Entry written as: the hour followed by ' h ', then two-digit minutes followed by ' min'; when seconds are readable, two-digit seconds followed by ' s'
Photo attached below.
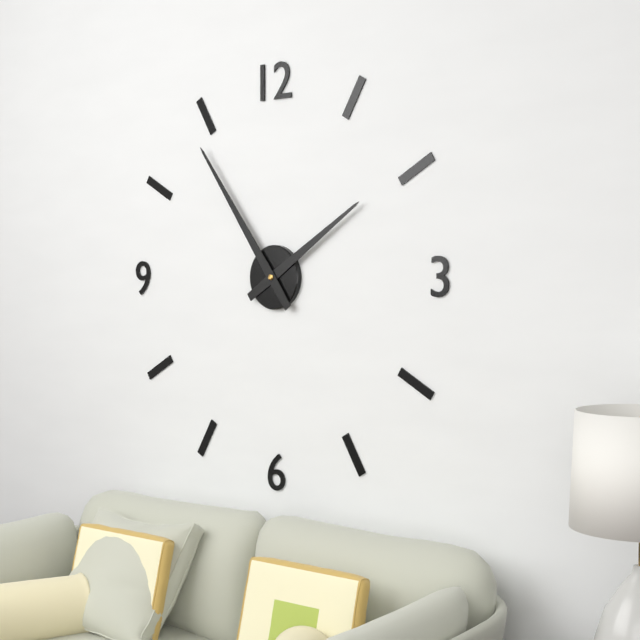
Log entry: 1 h 54 min
